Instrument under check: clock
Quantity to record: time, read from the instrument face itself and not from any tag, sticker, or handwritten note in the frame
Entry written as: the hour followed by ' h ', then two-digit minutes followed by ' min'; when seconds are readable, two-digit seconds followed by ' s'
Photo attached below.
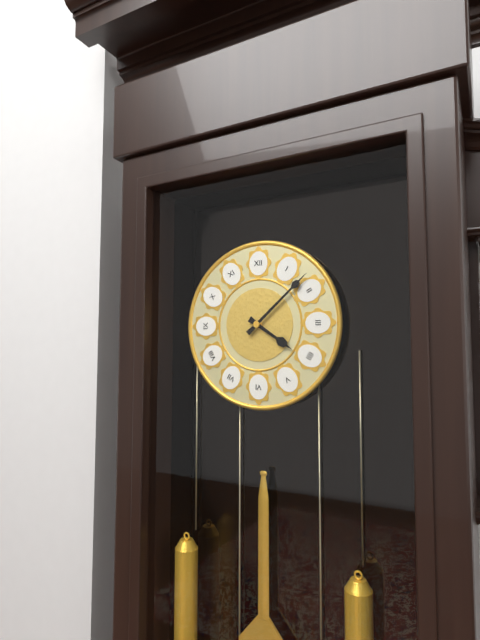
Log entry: 4 h 08 min
